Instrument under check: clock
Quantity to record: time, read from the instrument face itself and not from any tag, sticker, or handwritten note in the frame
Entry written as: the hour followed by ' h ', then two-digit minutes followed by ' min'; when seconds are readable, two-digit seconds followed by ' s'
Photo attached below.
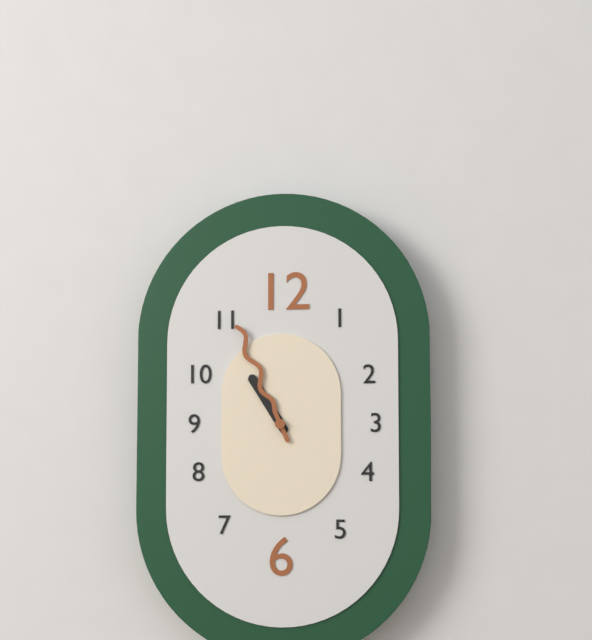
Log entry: 10 h 56 min
